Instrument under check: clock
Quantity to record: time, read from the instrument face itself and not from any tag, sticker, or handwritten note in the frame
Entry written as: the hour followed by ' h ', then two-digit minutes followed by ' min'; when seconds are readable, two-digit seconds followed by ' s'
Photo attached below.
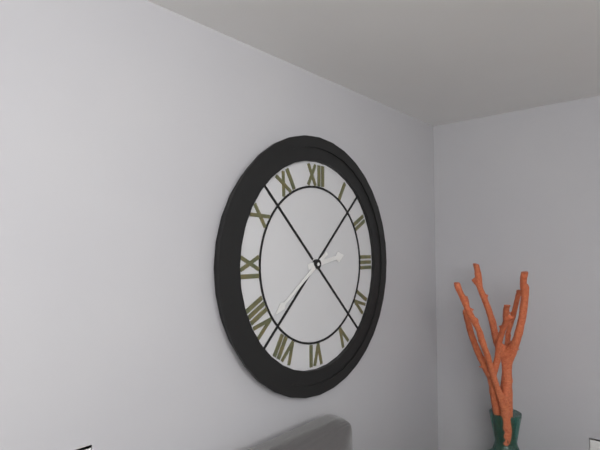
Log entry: 2 h 39 min
